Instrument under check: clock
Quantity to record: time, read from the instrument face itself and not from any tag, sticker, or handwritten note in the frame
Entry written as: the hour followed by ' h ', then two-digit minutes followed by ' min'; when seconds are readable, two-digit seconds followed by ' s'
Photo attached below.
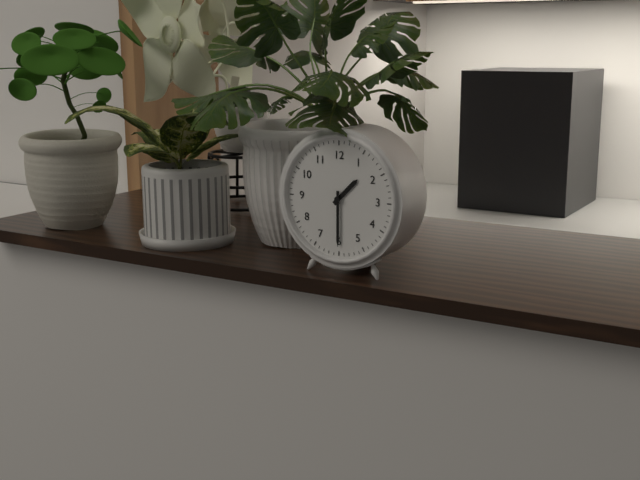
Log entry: 1 h 30 min
